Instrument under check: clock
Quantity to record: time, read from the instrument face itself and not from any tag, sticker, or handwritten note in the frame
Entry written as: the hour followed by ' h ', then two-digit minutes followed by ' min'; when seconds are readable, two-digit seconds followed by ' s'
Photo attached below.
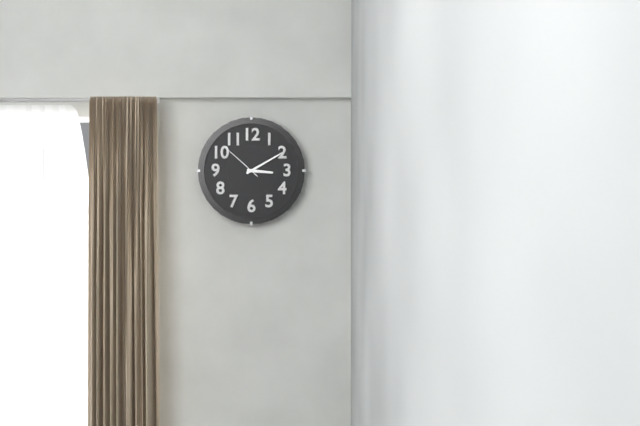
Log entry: 3 h 10 min
